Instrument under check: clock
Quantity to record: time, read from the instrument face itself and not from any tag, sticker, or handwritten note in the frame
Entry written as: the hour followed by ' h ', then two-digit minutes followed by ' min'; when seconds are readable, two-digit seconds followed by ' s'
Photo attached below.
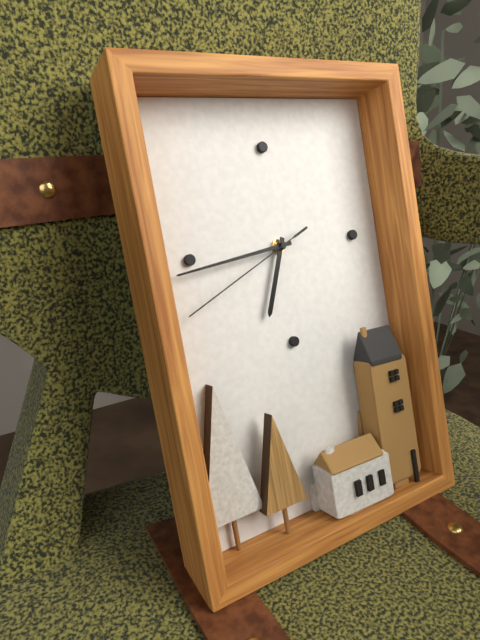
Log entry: 6 h 44 min 41 s
